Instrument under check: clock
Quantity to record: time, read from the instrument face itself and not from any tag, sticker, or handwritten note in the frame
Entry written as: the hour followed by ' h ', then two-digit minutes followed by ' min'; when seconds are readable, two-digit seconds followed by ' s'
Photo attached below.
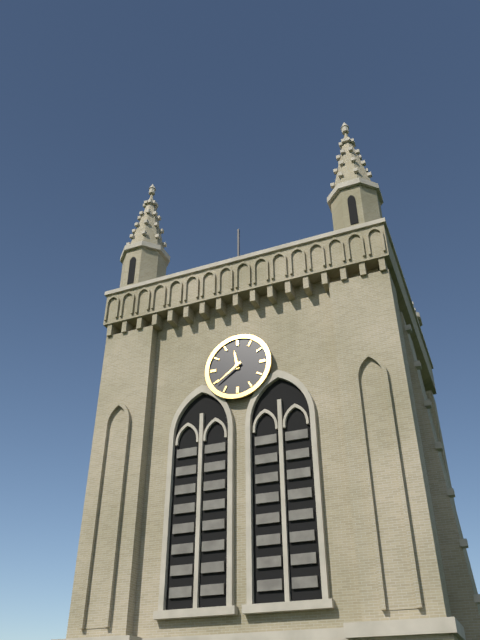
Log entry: 11 h 39 min
